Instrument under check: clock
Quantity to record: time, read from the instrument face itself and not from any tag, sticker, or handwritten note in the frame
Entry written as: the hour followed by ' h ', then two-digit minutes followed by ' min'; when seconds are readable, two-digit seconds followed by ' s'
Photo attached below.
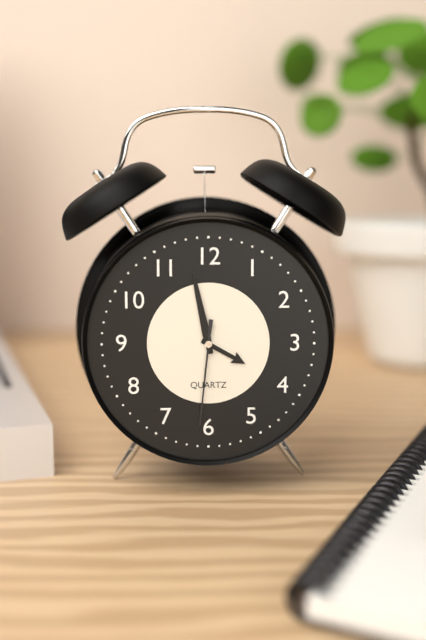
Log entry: 3 h 58 min 31 s
